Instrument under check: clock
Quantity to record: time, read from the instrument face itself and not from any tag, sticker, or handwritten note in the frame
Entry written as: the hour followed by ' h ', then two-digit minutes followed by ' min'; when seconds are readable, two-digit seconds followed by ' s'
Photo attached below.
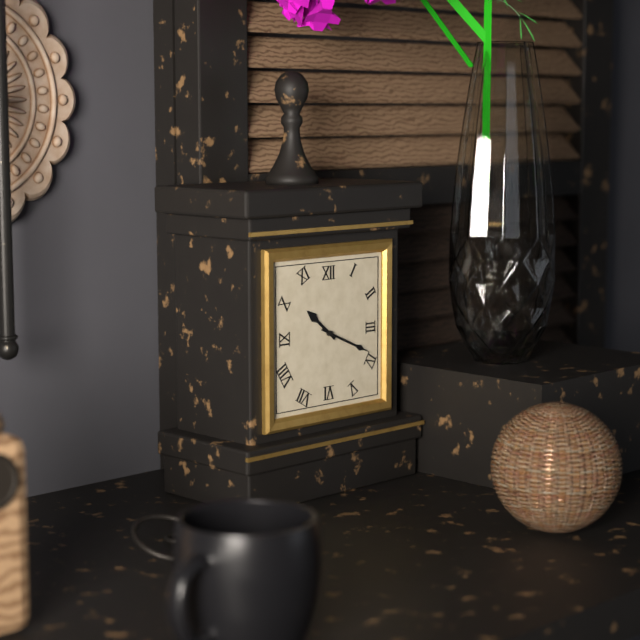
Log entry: 10 h 19 min
